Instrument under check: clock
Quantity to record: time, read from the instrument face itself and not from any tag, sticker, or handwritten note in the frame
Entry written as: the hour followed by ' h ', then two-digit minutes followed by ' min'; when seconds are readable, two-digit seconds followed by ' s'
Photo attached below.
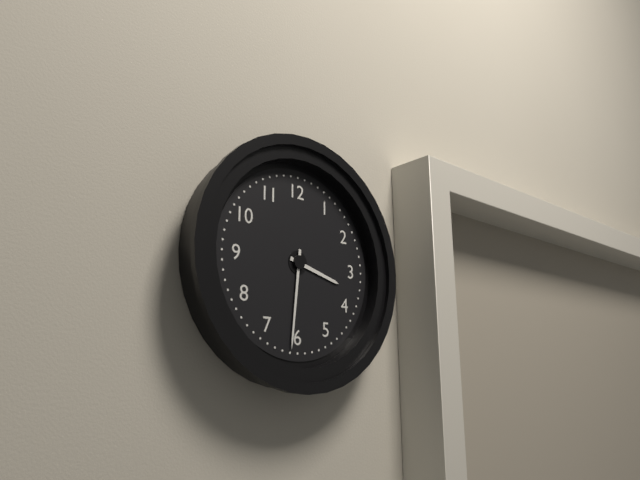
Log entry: 3 h 31 min
